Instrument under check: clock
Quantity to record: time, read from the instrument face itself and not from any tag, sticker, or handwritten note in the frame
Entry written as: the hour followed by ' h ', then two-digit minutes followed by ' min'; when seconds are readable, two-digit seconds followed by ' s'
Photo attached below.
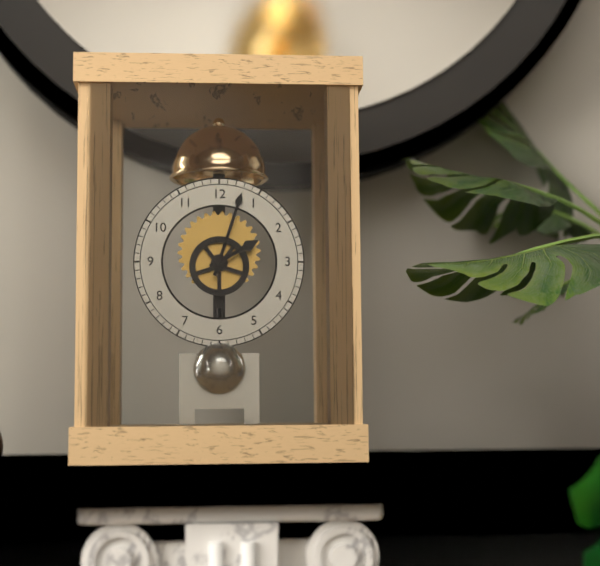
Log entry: 2 h 03 min
